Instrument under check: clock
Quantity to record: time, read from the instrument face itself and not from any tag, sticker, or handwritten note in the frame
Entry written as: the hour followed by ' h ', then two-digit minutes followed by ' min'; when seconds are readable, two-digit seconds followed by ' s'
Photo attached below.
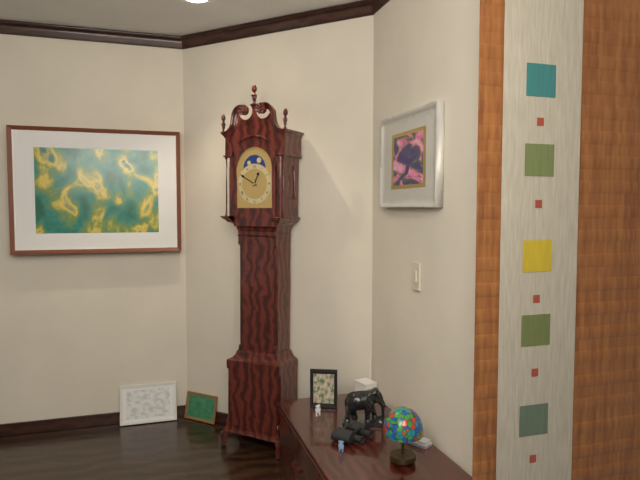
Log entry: 12 h 50 min
